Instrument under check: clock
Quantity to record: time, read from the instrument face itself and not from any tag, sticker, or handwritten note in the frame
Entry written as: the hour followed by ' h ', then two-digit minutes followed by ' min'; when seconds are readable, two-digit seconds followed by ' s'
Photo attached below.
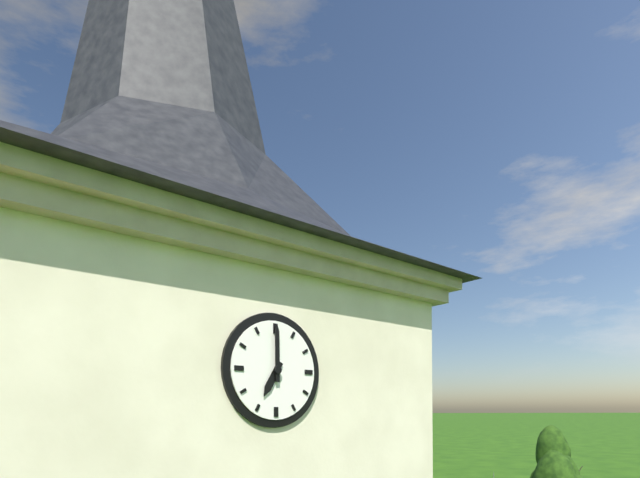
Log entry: 7 h 00 min
